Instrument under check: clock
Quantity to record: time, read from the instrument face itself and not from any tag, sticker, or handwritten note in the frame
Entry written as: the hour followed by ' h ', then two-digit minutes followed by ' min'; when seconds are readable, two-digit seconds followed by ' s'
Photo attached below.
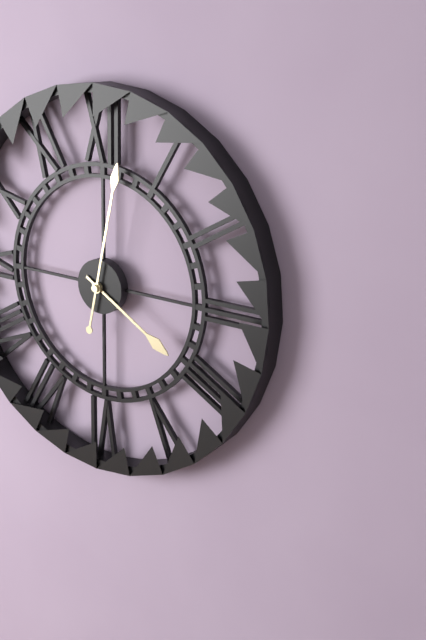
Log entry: 4 h 02 min
